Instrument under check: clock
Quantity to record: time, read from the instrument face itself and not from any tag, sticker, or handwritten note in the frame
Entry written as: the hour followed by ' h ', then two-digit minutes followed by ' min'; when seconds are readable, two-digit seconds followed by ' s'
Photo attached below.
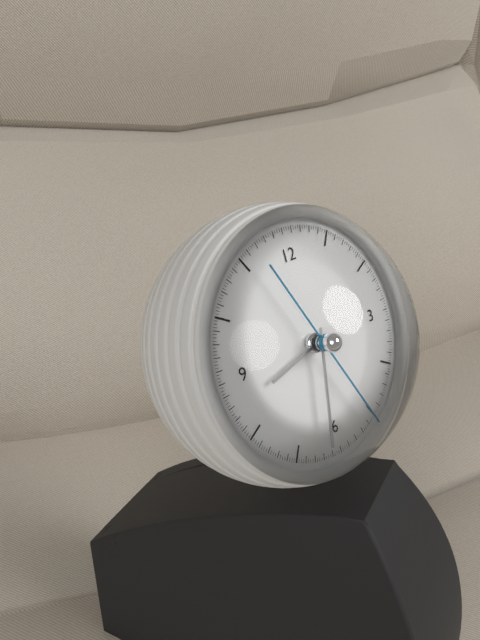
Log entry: 8 h 32 min 26 s
